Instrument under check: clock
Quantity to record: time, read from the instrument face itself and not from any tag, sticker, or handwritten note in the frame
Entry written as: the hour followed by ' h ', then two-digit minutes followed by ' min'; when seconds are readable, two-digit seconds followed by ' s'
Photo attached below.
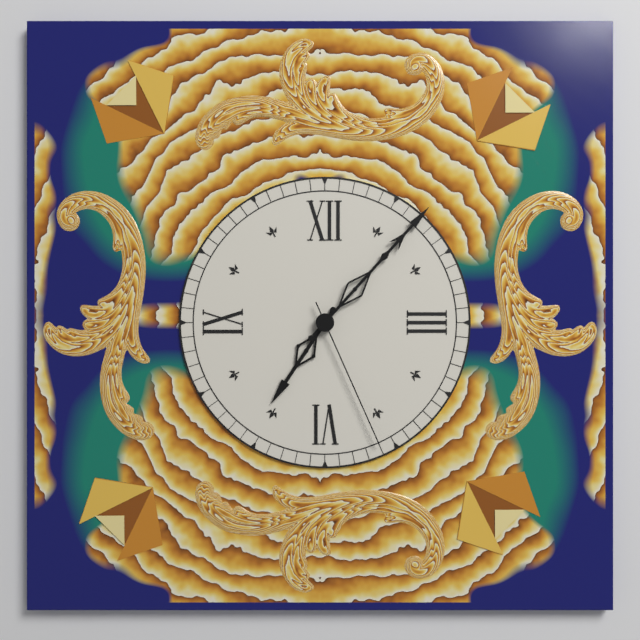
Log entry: 7 h 07 min 26 s
